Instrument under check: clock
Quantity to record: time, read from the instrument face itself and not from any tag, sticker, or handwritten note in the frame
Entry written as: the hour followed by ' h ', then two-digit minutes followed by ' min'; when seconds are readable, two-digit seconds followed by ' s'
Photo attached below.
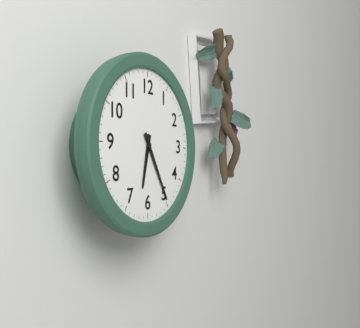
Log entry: 6 h 25 min
